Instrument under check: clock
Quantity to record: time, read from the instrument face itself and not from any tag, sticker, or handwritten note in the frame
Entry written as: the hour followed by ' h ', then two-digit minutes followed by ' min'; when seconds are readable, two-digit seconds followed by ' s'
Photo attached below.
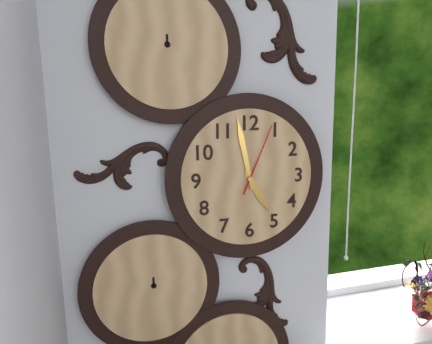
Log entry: 4 h 58 min 04 s
